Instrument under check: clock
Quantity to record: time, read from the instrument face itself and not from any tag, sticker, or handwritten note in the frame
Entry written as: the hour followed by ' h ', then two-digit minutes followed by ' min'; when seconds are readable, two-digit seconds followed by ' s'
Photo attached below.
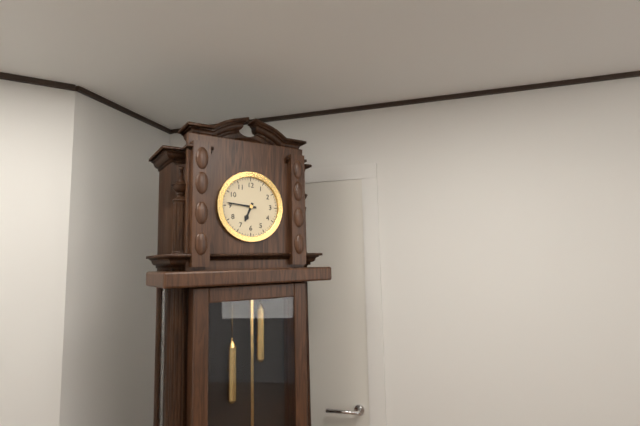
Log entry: 6 h 46 min
